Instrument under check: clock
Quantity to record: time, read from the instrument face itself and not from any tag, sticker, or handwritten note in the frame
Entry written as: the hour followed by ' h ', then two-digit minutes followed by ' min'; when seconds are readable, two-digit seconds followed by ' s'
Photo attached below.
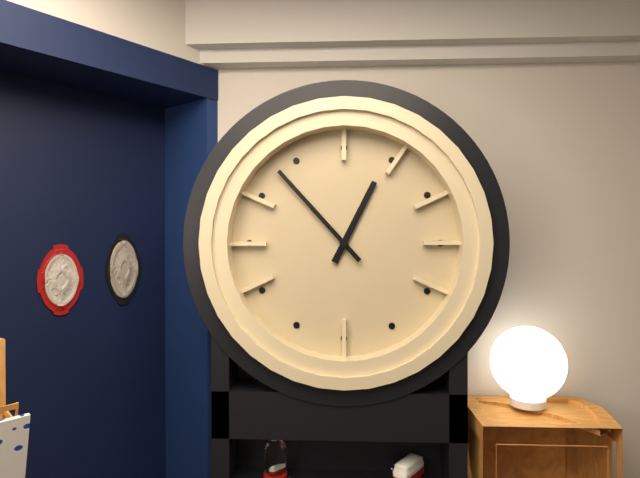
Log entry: 12 h 53 min
